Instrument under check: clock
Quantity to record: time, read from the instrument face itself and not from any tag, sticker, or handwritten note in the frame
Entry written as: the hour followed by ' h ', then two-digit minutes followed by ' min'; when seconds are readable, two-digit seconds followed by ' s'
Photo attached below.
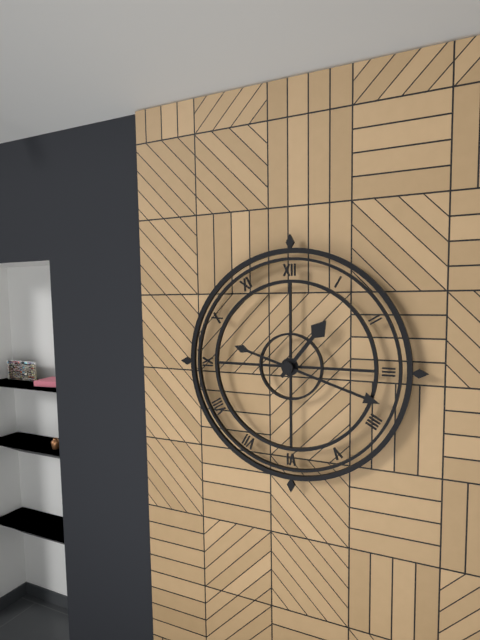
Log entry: 1 h 18 min
